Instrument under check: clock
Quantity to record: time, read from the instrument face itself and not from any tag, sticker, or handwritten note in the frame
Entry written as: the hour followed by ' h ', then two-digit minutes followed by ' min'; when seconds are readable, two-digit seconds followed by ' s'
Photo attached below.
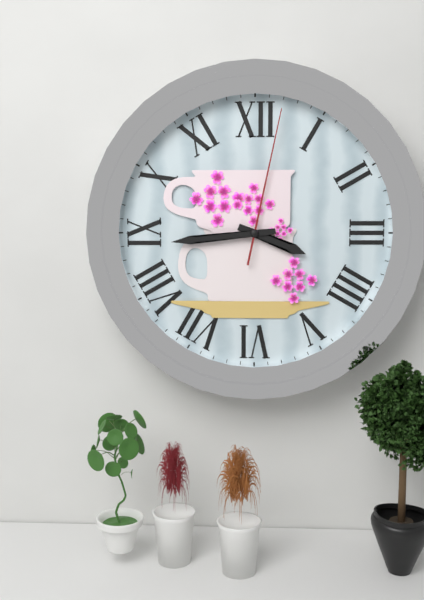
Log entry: 3 h 44 min 02 s
